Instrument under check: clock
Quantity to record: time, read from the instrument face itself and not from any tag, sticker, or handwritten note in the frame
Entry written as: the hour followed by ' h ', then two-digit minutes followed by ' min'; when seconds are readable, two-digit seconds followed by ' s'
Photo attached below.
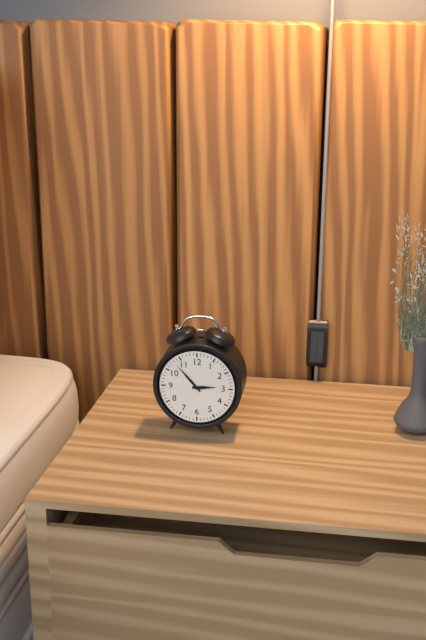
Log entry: 2 h 53 min
